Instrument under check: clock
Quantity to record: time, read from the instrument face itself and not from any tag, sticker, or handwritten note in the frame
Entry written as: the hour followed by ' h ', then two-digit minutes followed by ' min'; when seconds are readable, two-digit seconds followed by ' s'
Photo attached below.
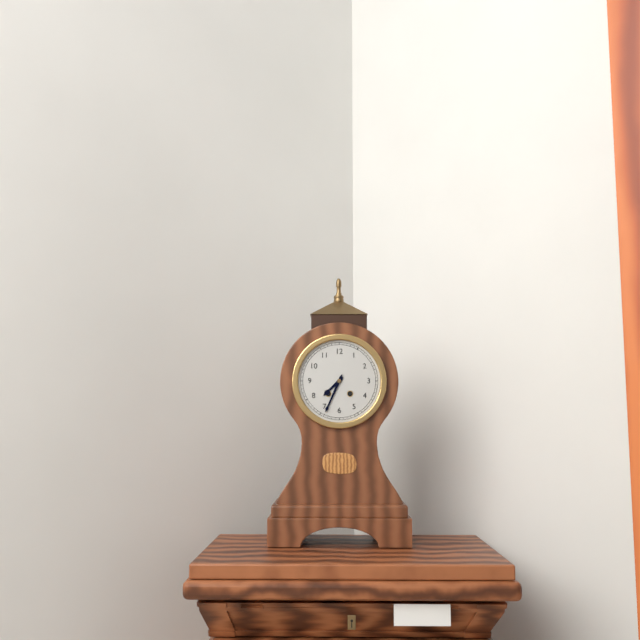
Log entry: 7 h 34 min
